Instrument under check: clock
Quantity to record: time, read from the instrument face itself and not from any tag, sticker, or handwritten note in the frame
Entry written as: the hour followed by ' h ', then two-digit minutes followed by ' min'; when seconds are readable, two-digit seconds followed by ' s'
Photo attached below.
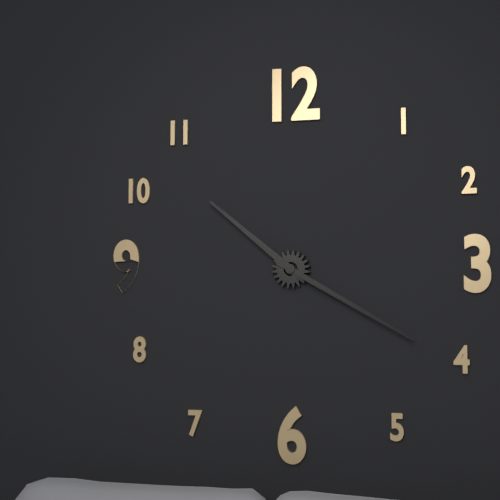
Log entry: 10 h 20 min
